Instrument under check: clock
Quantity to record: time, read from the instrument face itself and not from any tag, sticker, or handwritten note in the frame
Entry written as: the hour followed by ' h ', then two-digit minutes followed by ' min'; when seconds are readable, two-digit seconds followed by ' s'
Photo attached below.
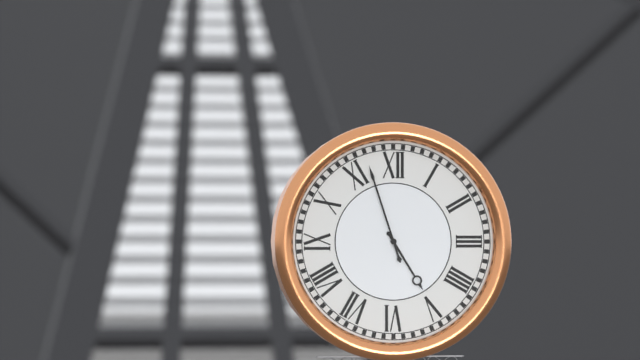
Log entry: 4 h 57 min
